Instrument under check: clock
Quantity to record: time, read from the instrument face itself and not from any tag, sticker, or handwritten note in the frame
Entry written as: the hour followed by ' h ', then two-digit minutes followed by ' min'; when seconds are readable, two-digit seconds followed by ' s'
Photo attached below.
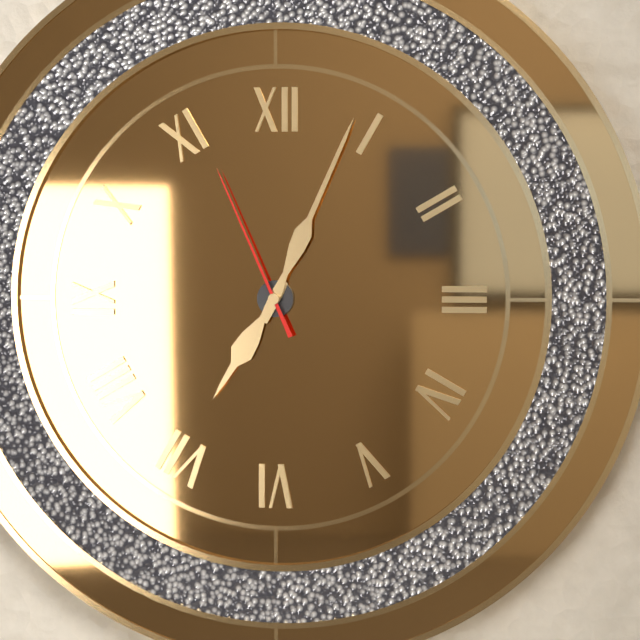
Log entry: 7 h 04 min 56 s
